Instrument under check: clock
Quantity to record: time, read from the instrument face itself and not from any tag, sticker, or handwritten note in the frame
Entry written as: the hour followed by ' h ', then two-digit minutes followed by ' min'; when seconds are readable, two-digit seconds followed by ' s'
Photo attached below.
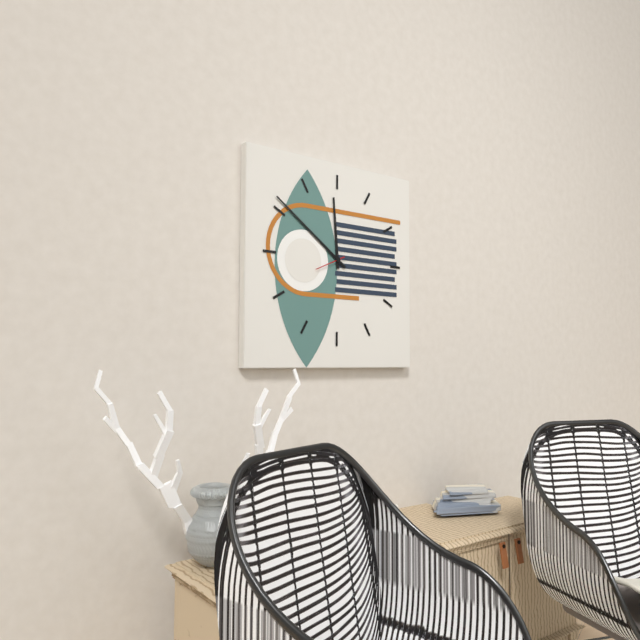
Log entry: 11 h 51 min
